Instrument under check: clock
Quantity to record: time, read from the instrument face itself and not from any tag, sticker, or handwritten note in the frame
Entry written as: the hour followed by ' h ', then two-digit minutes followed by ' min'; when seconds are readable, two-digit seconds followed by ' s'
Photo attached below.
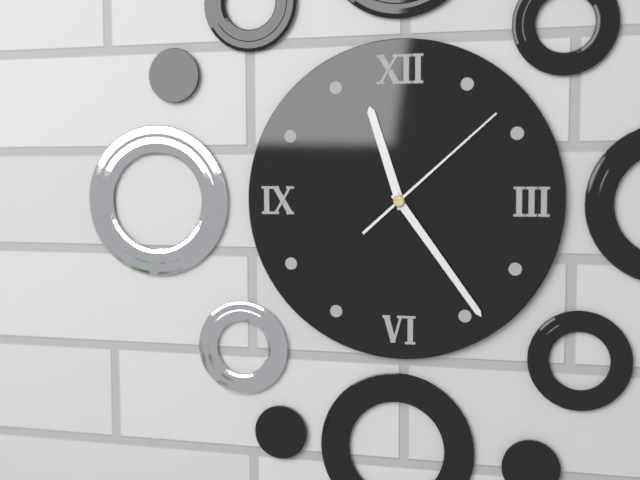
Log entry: 11 h 24 min 08 s
